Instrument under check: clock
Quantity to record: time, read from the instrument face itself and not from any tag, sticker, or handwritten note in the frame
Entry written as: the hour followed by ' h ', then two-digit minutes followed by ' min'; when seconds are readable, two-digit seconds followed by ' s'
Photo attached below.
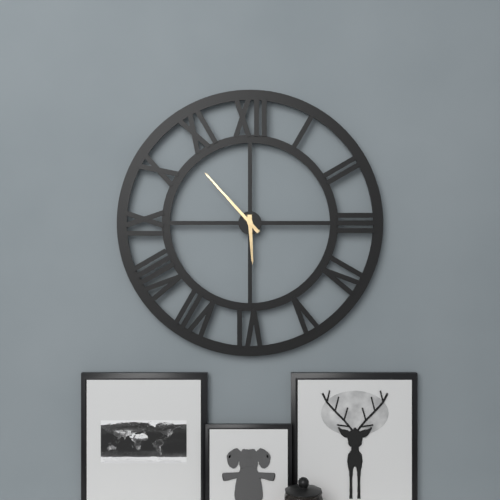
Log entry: 5 h 53 min
